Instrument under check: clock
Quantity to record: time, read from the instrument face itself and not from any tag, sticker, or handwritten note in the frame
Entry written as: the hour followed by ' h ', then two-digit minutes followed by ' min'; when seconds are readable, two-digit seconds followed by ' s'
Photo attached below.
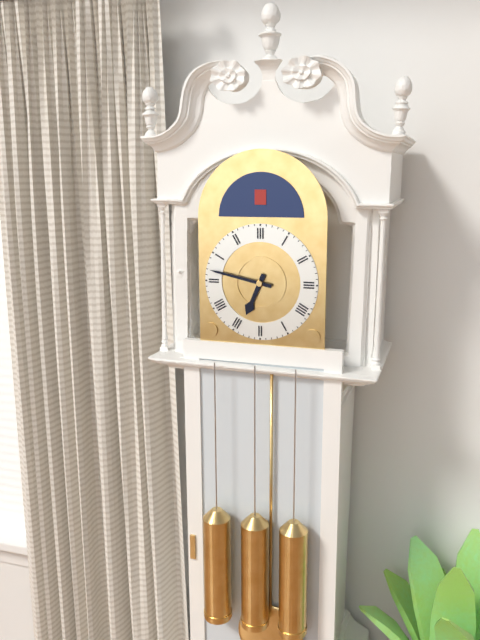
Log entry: 6 h 47 min
